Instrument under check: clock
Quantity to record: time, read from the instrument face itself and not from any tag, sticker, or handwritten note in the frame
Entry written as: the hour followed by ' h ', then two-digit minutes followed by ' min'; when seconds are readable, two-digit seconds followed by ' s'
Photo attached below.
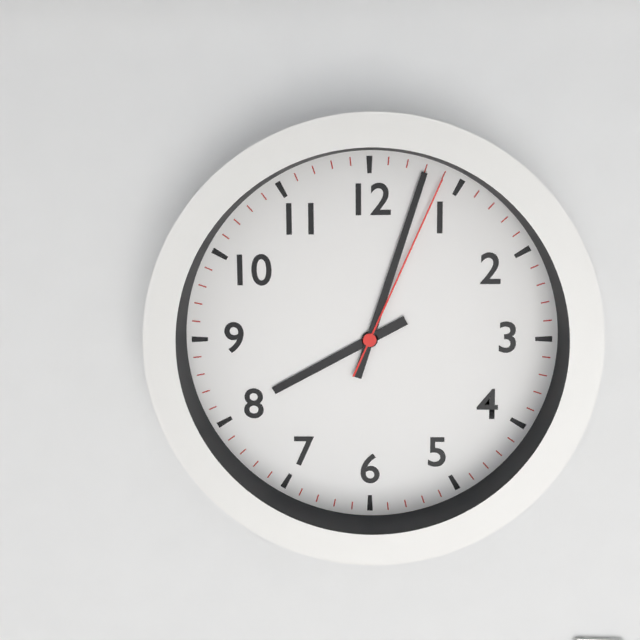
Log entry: 8 h 03 min 04 s
